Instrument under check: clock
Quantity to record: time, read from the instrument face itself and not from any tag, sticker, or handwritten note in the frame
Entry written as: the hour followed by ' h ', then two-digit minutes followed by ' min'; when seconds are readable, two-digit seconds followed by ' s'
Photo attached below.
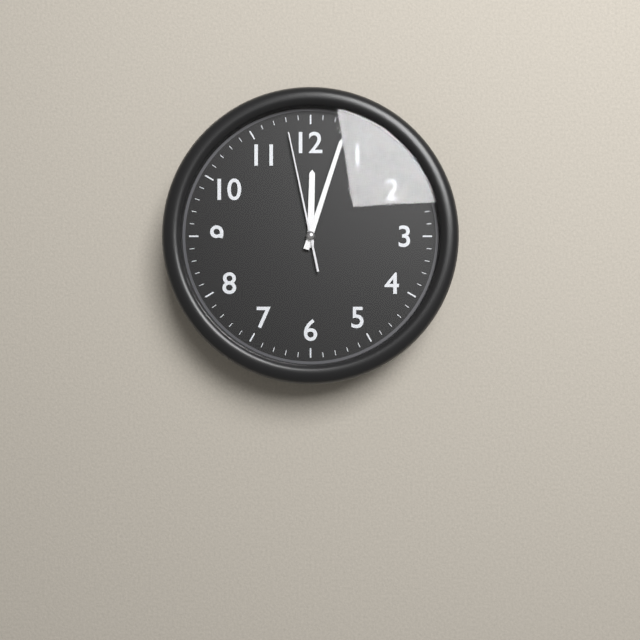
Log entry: 12 h 03 min 58 s
